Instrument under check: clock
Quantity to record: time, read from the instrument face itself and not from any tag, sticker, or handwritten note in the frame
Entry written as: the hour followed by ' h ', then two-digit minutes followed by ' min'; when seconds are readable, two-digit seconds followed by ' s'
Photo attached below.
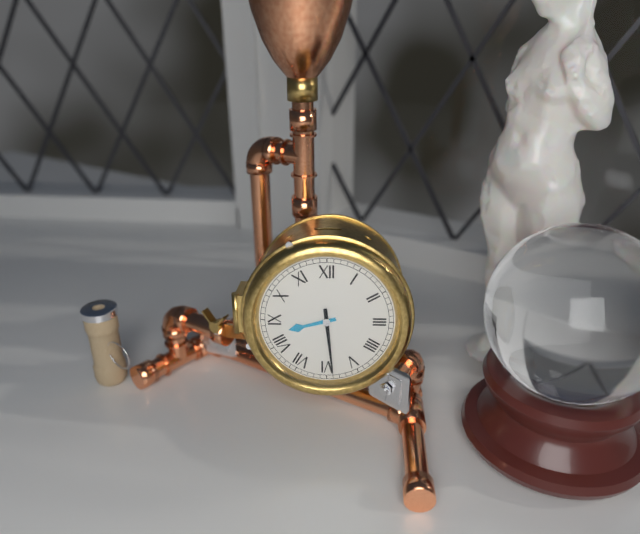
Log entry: 8 h 29 min
